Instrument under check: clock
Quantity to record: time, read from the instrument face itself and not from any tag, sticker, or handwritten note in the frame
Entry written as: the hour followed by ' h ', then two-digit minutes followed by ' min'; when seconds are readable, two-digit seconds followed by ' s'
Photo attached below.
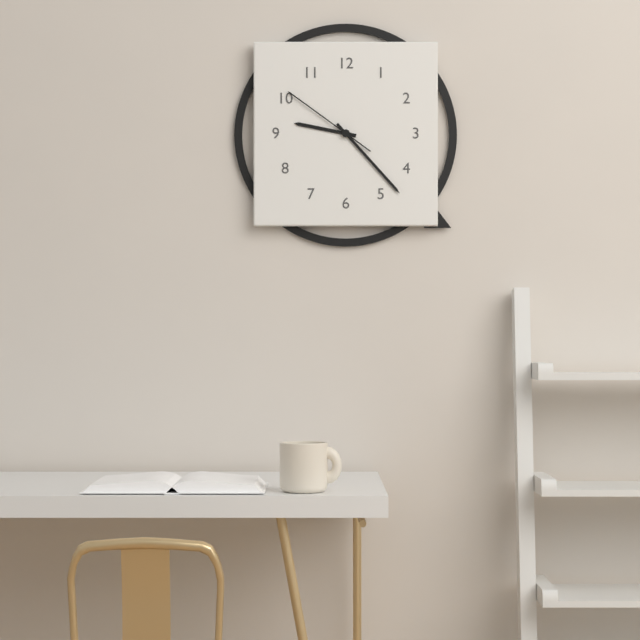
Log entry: 9 h 23 min 51 s
